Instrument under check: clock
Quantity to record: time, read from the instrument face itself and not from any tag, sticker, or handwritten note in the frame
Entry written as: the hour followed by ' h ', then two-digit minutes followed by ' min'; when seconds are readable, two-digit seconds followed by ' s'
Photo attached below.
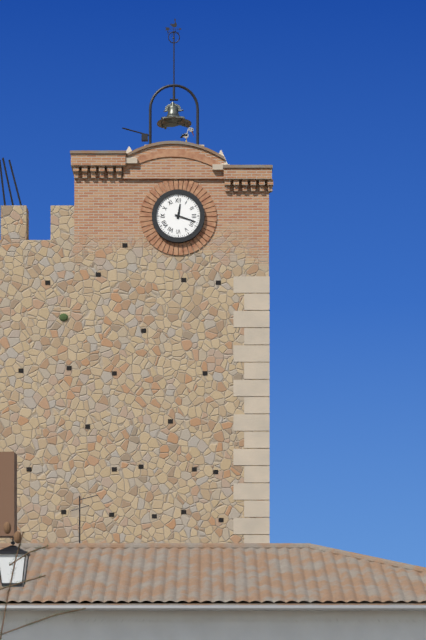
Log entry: 12 h 18 min
